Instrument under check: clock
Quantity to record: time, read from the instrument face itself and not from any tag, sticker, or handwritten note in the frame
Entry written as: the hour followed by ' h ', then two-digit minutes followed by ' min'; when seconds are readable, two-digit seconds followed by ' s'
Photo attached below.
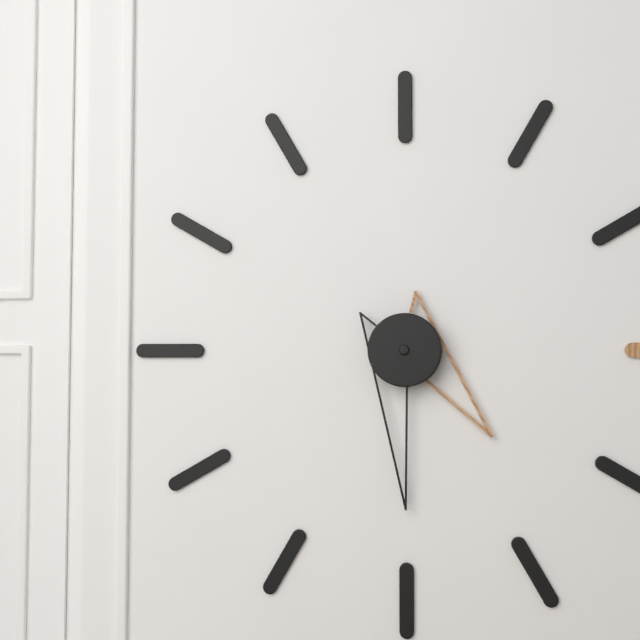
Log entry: 4 h 30 min
